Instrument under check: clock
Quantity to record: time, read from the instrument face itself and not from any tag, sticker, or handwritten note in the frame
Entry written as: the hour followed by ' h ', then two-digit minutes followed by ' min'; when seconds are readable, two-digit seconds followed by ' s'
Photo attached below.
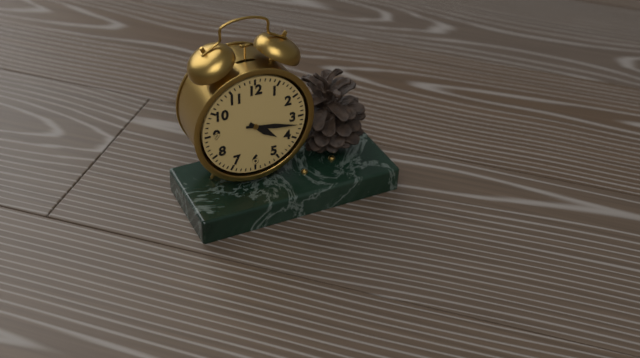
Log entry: 4 h 17 min
